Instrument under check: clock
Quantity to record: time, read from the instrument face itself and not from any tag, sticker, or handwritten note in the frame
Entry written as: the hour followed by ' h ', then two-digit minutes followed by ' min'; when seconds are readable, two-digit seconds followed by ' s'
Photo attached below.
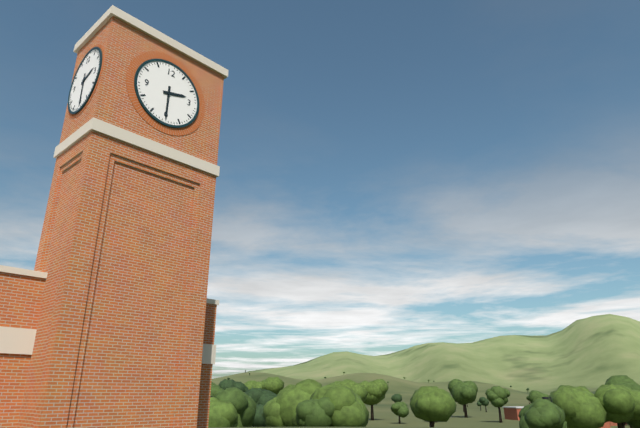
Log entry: 2 h 30 min
